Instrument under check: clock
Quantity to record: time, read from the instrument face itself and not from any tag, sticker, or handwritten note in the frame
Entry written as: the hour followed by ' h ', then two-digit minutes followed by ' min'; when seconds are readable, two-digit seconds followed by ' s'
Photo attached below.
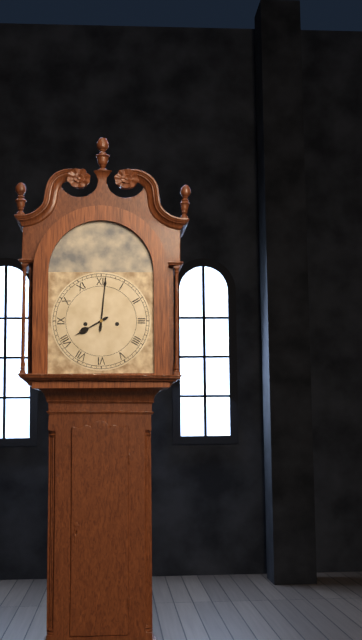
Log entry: 8 h 01 min
